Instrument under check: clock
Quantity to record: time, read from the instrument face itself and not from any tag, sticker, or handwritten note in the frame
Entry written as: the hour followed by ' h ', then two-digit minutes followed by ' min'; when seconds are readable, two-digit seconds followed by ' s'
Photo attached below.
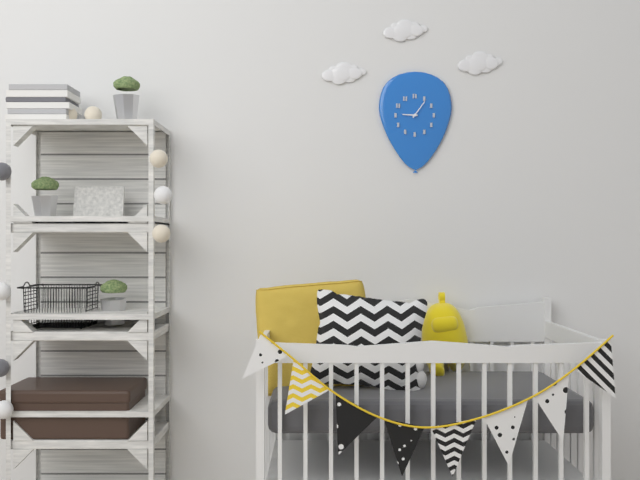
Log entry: 9 h 06 min
